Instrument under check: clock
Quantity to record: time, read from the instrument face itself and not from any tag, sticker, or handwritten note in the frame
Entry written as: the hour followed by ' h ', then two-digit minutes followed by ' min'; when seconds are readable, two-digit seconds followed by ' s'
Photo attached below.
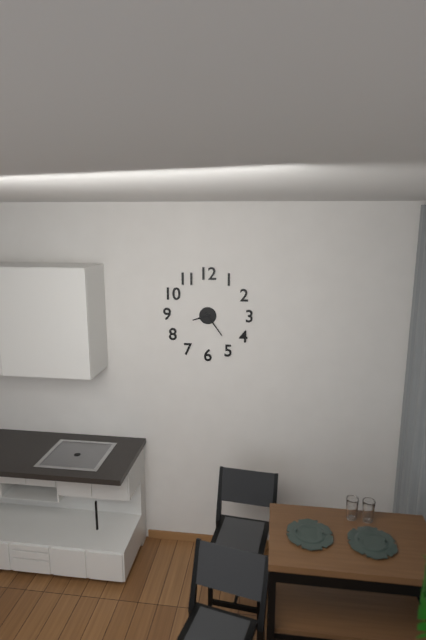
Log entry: 8 h 24 min
